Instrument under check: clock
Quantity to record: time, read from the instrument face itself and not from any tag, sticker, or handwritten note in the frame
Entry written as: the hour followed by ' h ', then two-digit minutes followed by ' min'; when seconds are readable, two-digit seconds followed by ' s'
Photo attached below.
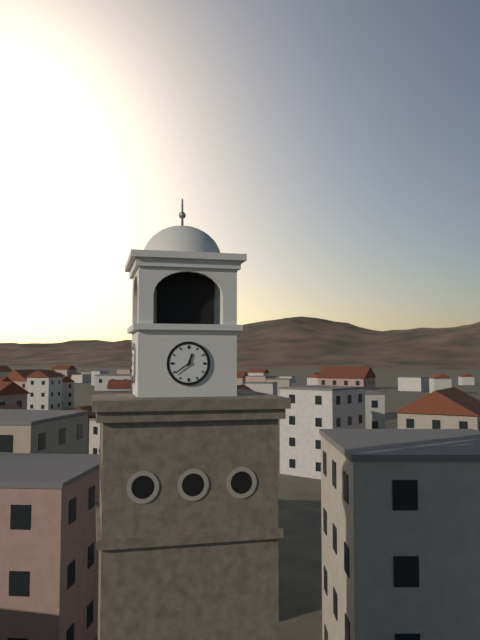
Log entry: 12 h 39 min
